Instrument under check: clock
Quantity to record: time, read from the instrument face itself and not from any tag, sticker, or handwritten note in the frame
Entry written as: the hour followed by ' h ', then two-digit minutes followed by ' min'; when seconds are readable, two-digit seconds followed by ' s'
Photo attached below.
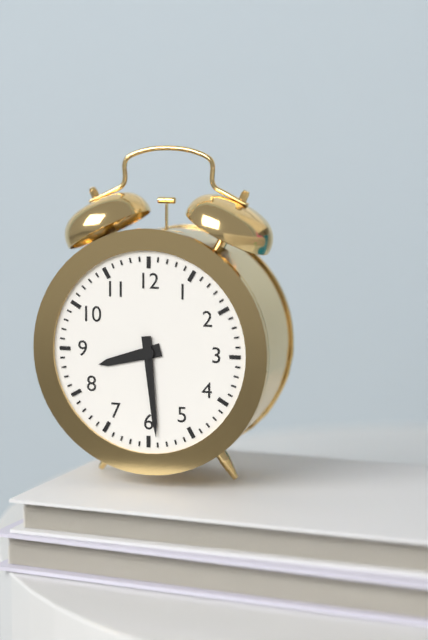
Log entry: 8 h 29 min
